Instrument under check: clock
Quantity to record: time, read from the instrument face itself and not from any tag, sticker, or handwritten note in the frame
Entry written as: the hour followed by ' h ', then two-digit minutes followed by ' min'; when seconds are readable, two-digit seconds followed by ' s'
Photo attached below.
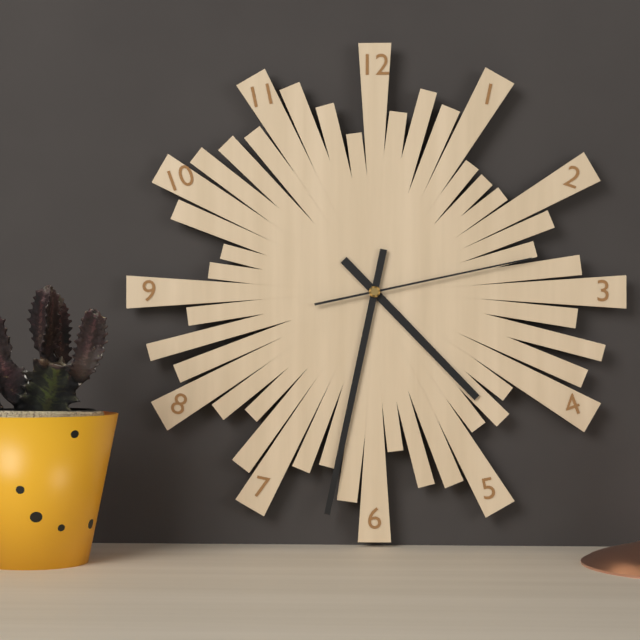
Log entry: 4 h 32 min 13 s
